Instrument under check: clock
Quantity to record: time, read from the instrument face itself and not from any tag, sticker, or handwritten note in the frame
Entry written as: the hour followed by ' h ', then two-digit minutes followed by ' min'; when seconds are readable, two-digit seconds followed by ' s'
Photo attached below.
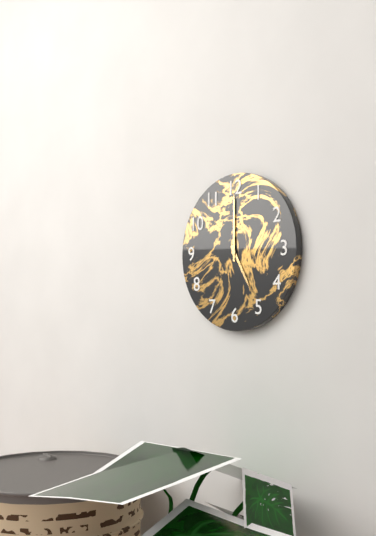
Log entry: 5 h 00 min
